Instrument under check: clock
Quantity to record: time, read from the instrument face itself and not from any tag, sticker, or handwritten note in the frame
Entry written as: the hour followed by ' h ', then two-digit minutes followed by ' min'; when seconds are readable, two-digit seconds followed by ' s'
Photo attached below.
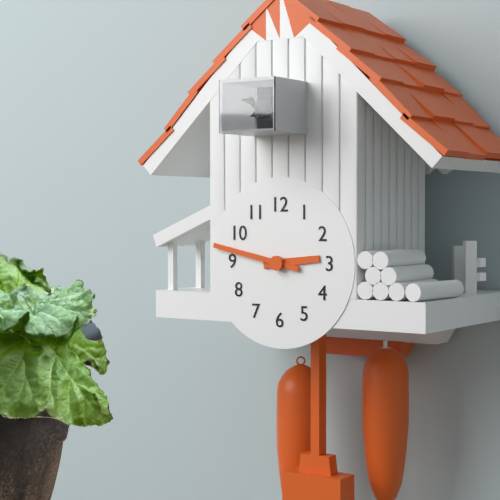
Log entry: 2 h 47 min
